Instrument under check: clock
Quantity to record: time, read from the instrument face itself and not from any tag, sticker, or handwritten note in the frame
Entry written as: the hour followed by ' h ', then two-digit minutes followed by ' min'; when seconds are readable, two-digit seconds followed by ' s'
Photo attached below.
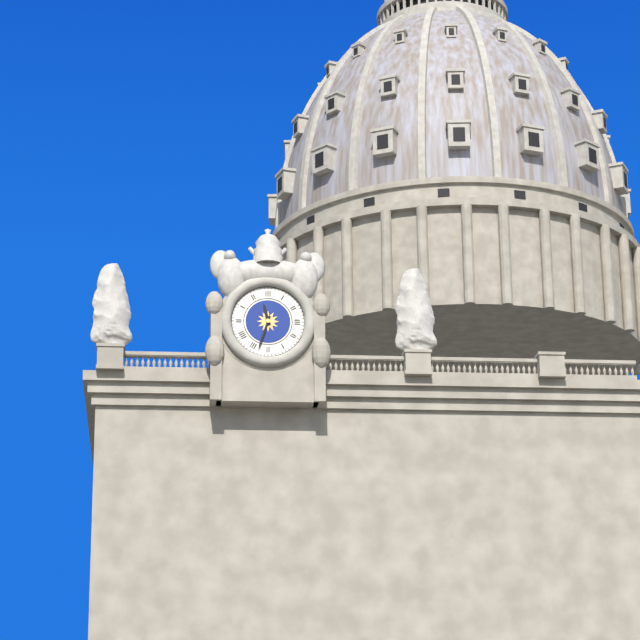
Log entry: 11 h 33 min
